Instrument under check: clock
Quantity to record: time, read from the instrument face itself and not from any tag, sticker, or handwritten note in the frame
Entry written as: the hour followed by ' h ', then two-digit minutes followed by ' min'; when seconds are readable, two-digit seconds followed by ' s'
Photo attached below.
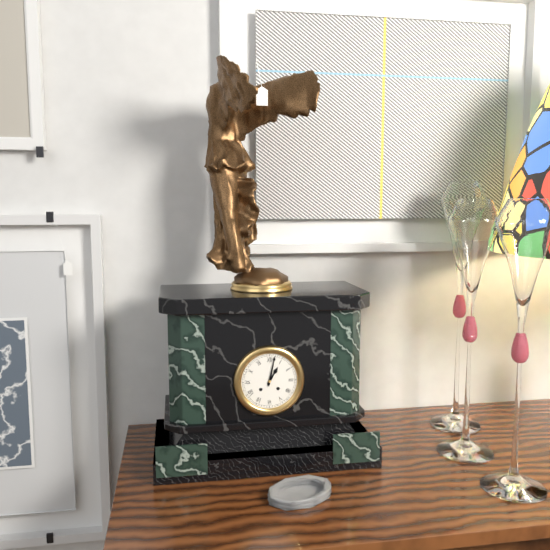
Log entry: 1 h 02 min
